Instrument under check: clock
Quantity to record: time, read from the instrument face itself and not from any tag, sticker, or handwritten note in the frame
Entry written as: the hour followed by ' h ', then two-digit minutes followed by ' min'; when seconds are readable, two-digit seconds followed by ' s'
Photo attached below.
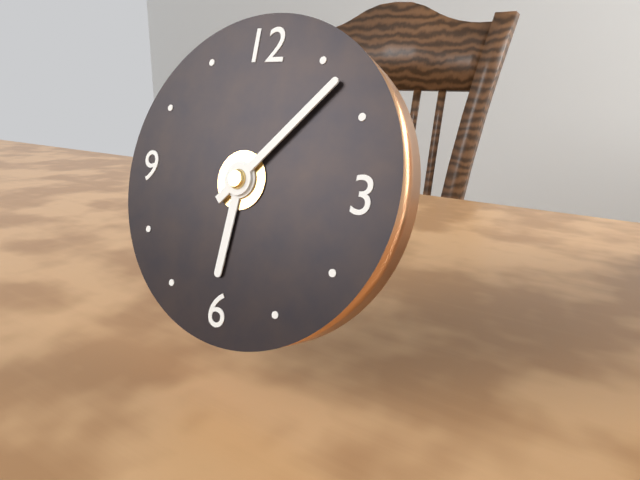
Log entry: 6 h 07 min
